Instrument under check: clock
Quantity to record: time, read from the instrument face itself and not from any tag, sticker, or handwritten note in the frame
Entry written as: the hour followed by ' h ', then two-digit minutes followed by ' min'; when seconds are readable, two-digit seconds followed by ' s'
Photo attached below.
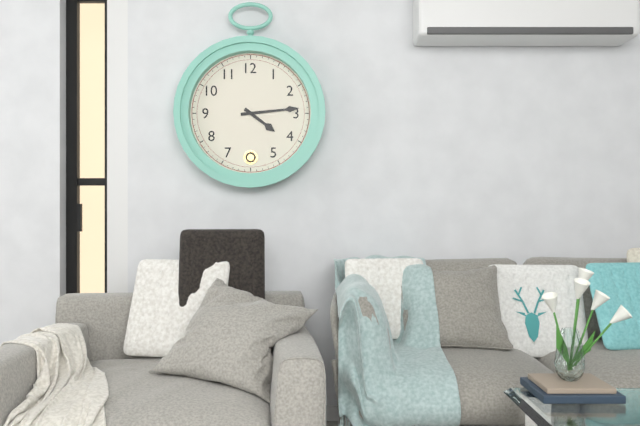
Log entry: 4 h 14 min
